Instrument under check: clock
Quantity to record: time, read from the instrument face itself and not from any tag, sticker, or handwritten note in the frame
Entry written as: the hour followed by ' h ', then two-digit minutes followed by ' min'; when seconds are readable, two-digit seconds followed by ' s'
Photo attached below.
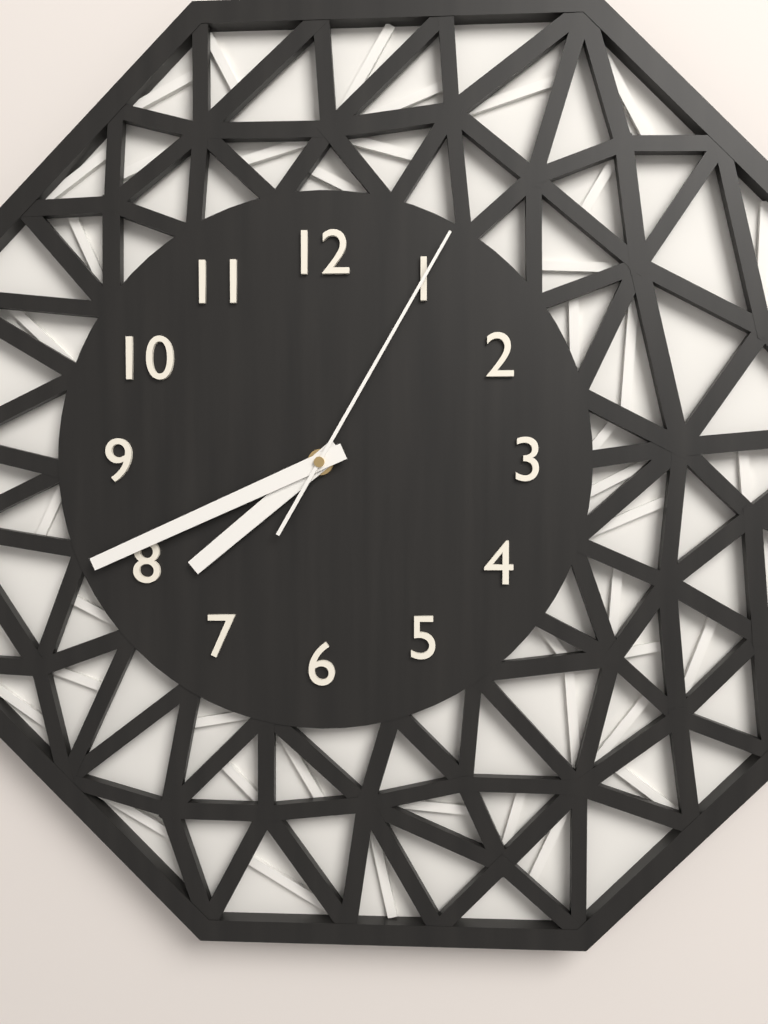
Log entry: 7 h 41 min 05 s
